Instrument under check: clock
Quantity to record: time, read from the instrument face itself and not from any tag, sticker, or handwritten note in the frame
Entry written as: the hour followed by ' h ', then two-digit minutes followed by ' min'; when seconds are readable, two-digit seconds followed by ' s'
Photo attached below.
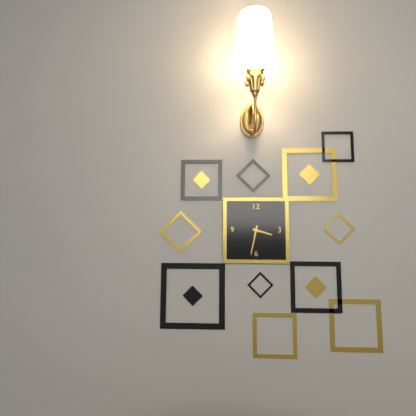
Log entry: 3 h 32 min
